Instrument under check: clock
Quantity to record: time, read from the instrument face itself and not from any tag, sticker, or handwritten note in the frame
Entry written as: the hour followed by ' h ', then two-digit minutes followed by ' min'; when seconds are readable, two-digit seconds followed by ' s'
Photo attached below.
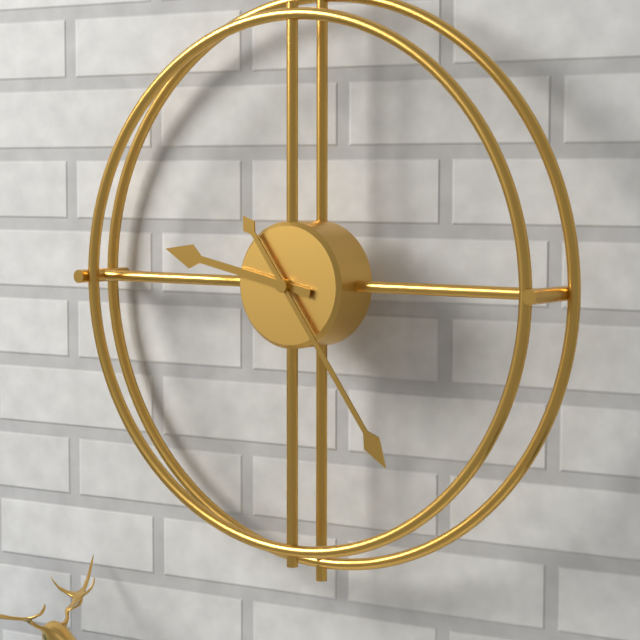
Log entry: 9 h 24 min
